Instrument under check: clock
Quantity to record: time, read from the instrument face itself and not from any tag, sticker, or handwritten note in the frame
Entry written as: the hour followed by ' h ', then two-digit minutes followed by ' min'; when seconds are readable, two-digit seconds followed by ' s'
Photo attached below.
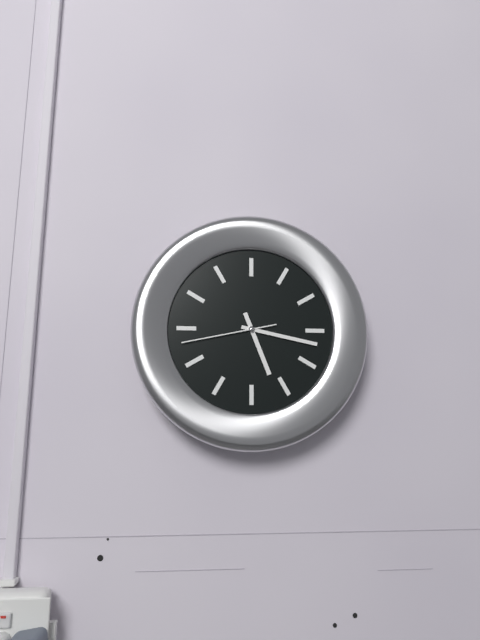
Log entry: 5 h 17 min 43 s
